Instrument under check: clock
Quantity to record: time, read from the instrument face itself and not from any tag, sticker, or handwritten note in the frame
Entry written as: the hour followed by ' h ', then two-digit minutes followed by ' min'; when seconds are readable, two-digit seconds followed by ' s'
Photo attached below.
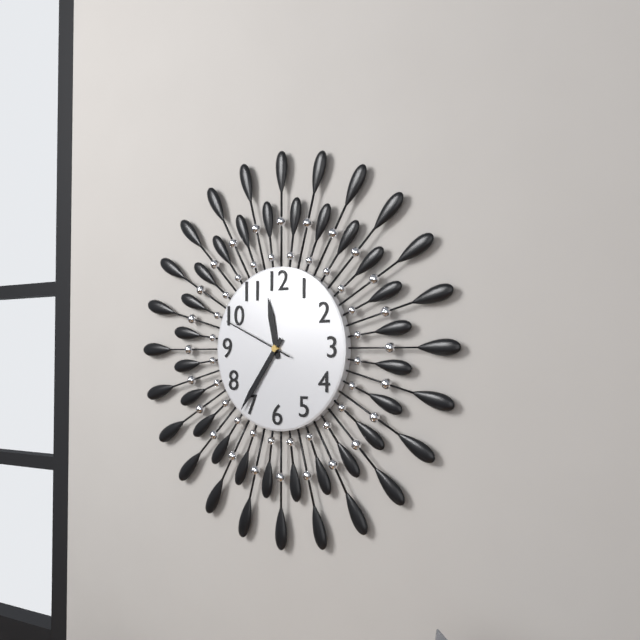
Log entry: 11 h 36 min 49 s
